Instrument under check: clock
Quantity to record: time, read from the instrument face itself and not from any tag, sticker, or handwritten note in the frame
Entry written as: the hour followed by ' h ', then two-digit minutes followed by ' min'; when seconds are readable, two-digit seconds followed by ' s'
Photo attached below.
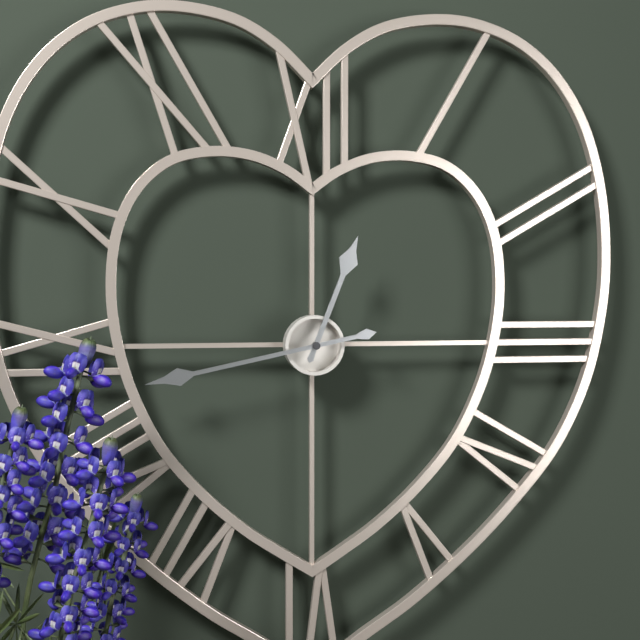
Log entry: 12 h 43 min
